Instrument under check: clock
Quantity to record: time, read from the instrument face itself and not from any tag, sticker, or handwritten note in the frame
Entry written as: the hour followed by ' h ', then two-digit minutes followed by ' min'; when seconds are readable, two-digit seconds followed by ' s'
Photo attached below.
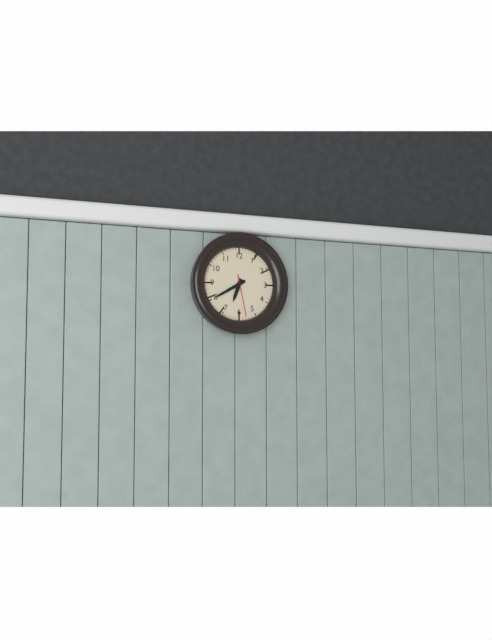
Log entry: 6 h 40 min
